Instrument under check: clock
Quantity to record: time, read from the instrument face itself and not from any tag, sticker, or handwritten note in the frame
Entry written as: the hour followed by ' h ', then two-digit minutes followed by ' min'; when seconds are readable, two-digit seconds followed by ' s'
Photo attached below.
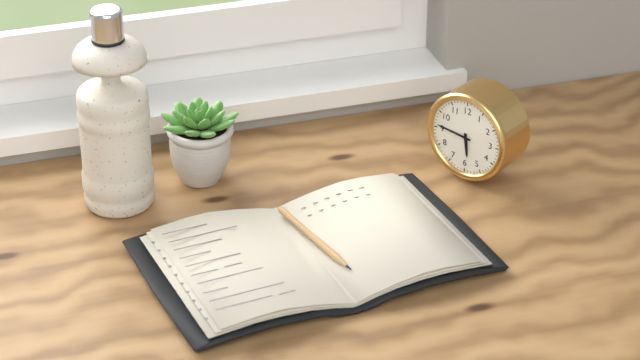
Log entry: 5 h 46 min
